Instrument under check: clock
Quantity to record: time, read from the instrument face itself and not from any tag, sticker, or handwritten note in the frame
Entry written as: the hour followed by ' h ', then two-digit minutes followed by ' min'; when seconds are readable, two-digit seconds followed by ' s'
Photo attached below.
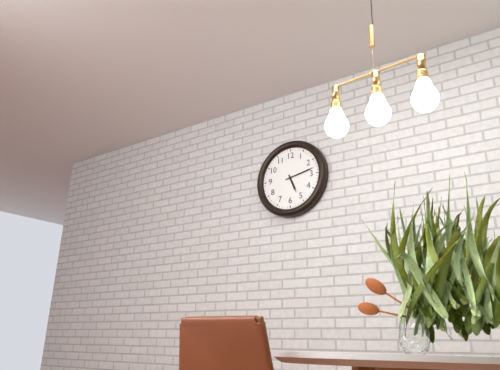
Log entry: 5 h 13 min
